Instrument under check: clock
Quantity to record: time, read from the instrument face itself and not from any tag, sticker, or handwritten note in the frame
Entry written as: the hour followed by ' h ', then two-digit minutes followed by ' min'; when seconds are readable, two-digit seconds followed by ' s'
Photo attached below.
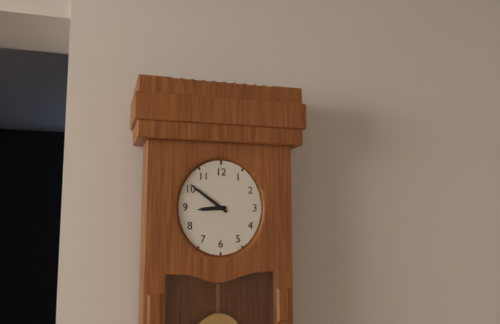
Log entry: 8 h 51 min
